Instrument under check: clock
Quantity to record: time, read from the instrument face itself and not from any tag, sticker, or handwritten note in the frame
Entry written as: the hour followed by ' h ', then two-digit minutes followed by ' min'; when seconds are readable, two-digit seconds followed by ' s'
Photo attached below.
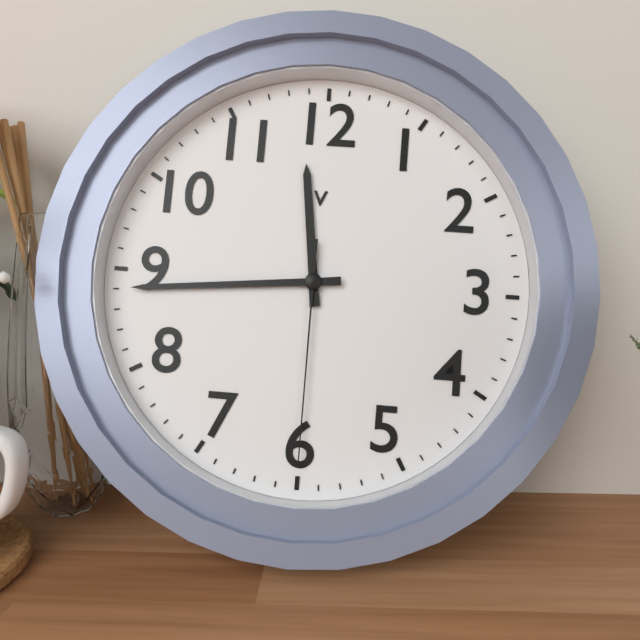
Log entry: 11 h 44 min 30 s
